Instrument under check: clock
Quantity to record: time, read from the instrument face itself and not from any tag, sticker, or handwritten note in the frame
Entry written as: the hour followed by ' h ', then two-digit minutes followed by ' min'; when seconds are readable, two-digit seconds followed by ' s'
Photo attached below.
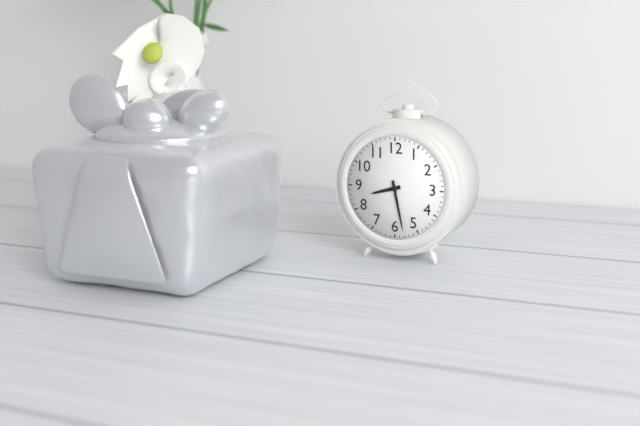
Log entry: 8 h 28 min
